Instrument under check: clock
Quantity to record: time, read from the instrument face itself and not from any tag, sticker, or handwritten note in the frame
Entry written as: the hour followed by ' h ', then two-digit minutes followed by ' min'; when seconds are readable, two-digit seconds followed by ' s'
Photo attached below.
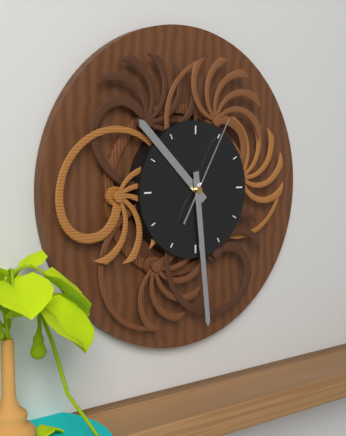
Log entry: 10 h 29 min 05 s
